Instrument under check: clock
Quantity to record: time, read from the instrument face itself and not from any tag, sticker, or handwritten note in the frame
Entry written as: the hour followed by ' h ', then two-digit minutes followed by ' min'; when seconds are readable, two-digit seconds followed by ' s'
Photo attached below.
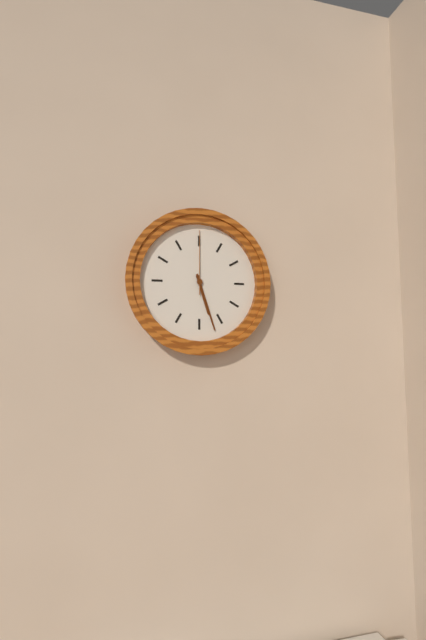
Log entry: 5 h 27 min 00 s
